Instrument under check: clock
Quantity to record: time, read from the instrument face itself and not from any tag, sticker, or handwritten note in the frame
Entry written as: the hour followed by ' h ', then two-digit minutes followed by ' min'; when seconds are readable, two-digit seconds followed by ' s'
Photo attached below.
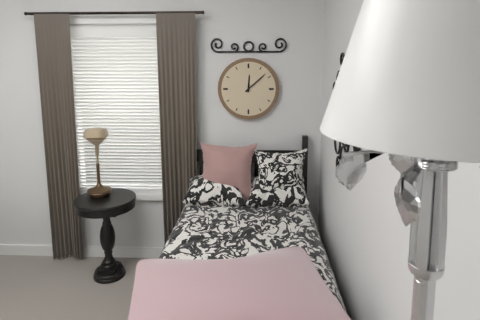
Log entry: 12 h 08 min
